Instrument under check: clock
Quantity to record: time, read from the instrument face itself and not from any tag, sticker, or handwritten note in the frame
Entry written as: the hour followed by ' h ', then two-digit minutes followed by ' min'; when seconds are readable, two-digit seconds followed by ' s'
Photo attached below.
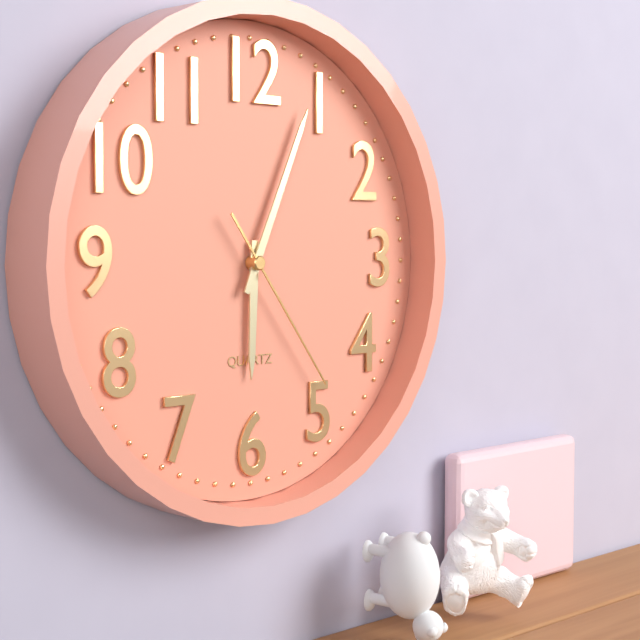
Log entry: 6 h 04 min 24 s
